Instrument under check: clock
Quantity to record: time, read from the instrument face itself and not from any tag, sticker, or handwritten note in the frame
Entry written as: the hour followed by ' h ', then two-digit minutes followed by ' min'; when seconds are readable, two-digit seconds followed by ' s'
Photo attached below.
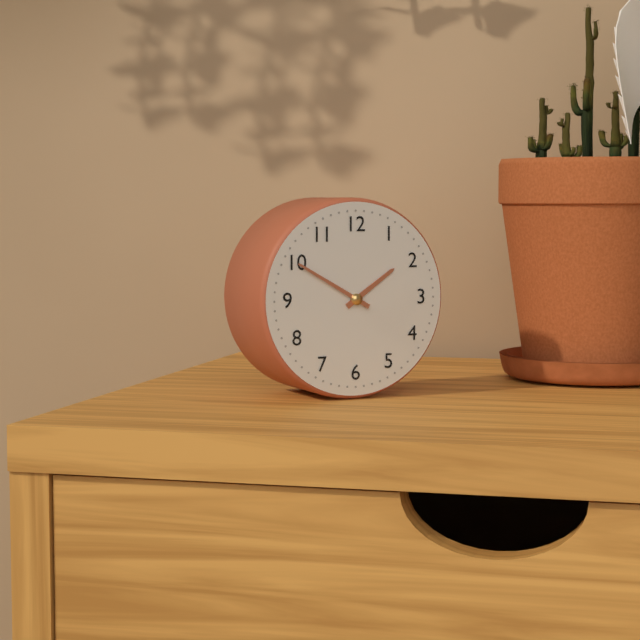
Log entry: 1 h 50 min
